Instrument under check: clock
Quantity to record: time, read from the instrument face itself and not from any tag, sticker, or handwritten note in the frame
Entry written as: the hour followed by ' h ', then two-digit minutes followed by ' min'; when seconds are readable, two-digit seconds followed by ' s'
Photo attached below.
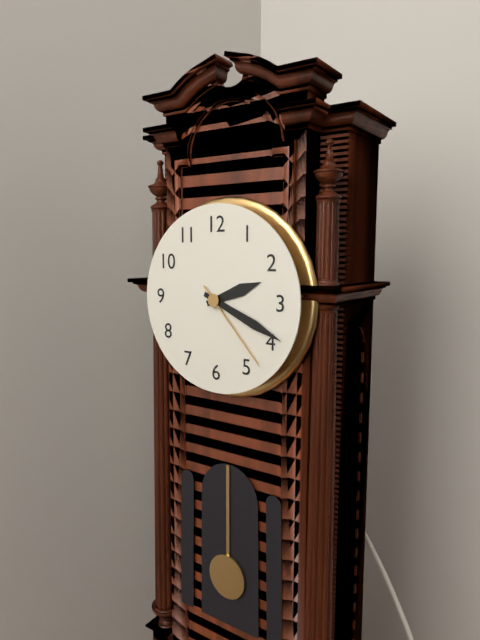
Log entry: 2 h 19 min 23 s
